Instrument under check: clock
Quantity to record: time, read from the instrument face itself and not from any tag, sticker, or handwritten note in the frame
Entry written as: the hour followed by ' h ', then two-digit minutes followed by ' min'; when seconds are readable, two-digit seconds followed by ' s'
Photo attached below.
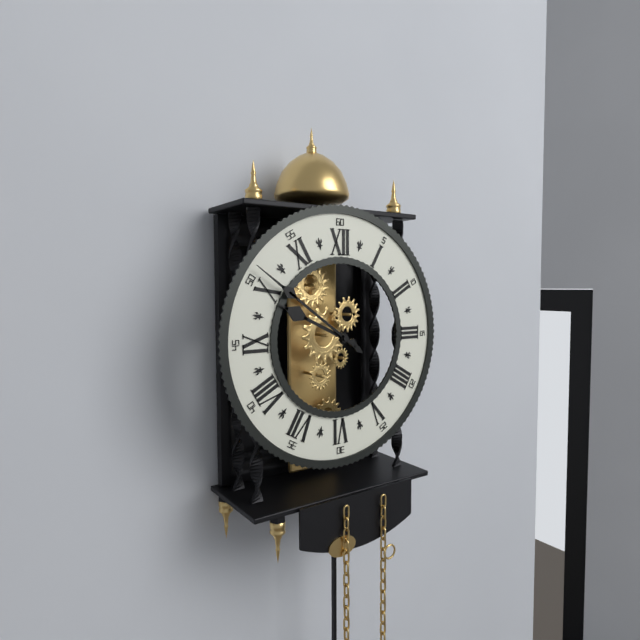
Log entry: 9 h 51 min
